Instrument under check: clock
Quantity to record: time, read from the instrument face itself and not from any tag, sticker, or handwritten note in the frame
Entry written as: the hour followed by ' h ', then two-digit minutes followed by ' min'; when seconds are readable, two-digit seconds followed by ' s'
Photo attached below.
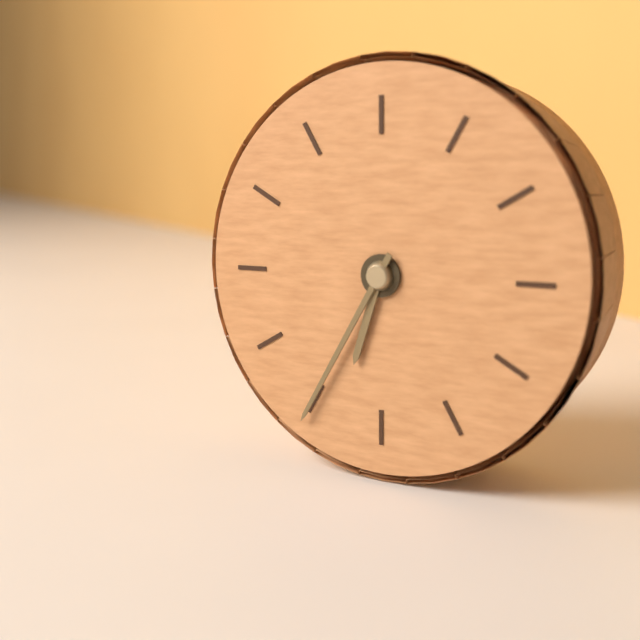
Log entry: 6 h 35 min
